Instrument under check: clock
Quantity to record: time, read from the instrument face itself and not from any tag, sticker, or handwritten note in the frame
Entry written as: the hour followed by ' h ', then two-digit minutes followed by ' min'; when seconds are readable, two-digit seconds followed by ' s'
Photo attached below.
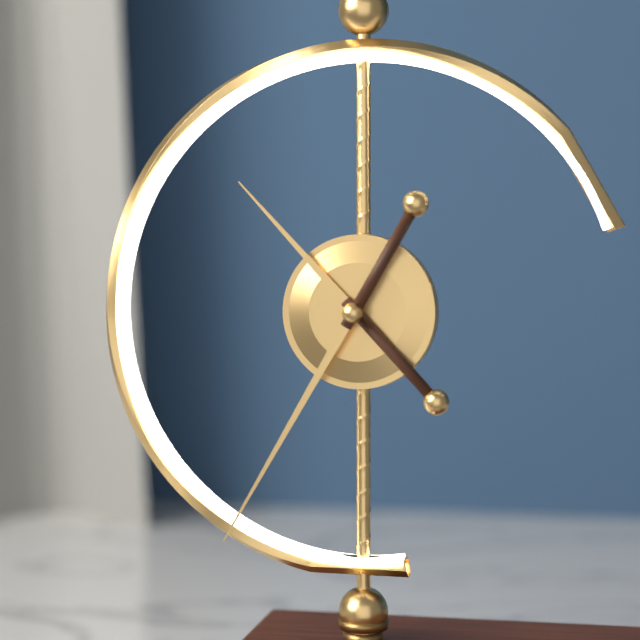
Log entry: 10 h 35 min
